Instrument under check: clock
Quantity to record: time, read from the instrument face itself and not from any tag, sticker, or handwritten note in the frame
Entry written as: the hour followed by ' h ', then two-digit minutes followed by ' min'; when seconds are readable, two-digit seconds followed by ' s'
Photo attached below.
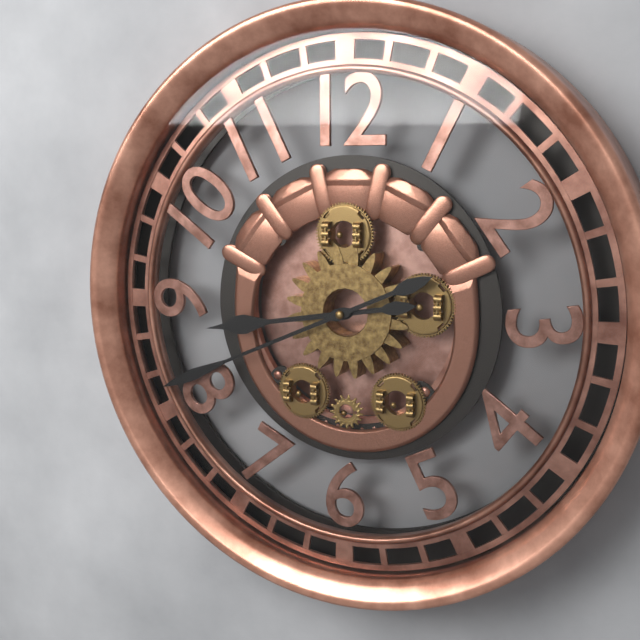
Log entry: 8 h 41 min
